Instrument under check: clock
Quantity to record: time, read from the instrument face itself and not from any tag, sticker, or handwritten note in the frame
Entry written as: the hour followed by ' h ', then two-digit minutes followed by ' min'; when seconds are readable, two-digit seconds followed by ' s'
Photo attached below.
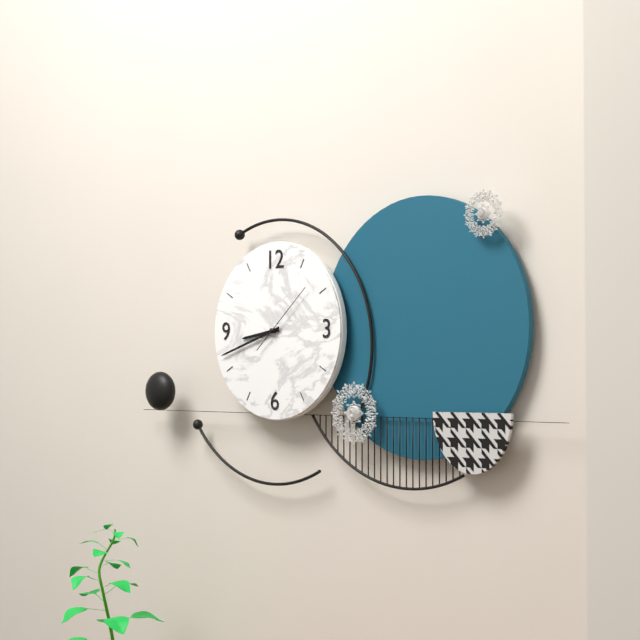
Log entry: 8 h 42 min 08 s
